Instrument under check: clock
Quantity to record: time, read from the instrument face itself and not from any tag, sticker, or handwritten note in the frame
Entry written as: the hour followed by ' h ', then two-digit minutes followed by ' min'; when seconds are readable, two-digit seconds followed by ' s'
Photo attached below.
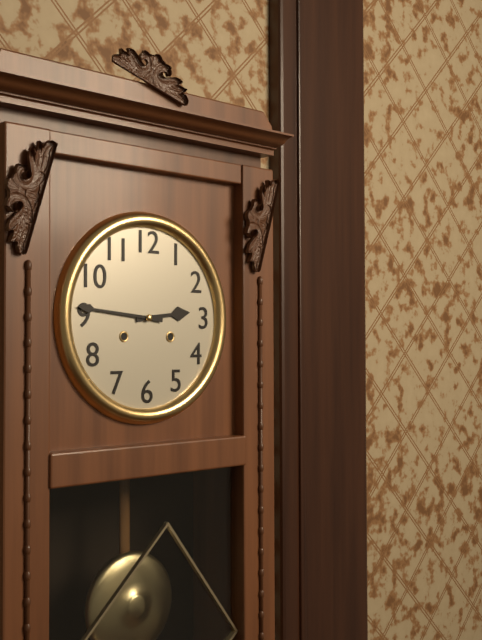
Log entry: 2 h 46 min
